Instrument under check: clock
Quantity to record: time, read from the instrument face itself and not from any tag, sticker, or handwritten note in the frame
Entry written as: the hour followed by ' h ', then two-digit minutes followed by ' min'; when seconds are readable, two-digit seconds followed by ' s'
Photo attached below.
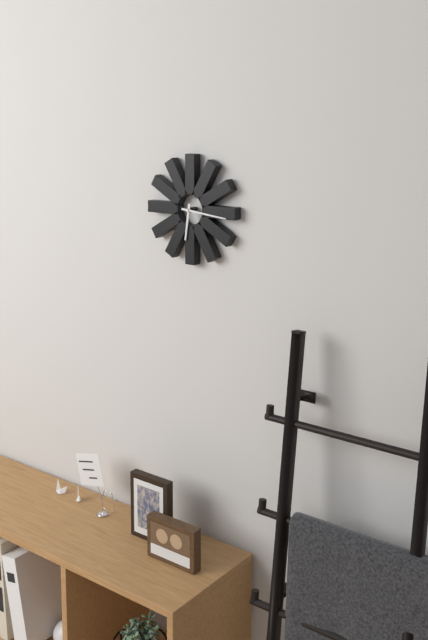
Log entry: 6 h 16 min
